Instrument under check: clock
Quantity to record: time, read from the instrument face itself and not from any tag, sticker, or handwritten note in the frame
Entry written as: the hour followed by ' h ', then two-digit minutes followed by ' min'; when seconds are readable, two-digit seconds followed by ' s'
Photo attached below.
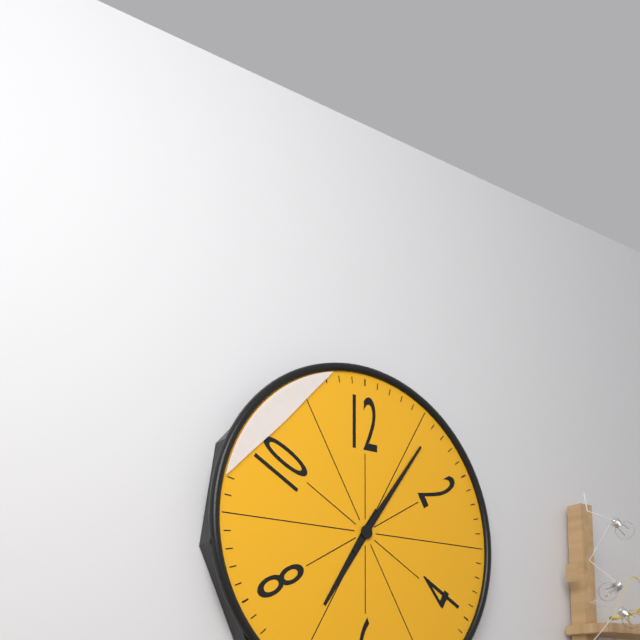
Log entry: 7 h 06 min
